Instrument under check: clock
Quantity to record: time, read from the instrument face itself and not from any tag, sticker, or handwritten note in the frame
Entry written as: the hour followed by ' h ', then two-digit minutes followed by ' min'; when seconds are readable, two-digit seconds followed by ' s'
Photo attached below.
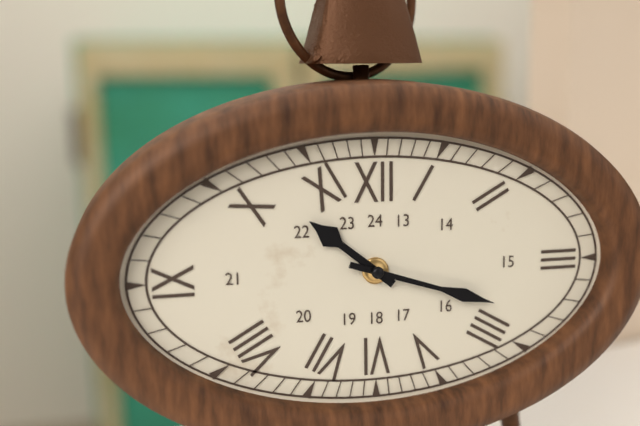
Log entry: 10 h 18 min
